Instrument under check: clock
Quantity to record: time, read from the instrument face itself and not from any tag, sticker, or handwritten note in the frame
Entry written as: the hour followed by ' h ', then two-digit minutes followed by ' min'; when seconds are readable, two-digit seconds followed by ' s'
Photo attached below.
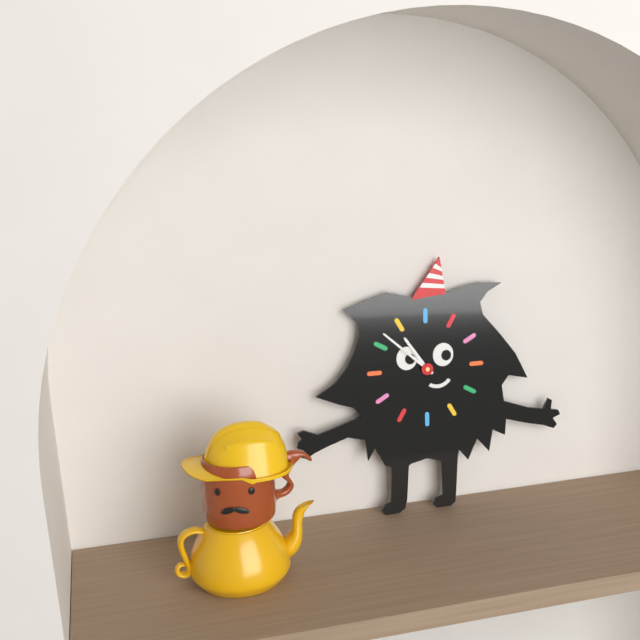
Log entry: 10 h 52 min
